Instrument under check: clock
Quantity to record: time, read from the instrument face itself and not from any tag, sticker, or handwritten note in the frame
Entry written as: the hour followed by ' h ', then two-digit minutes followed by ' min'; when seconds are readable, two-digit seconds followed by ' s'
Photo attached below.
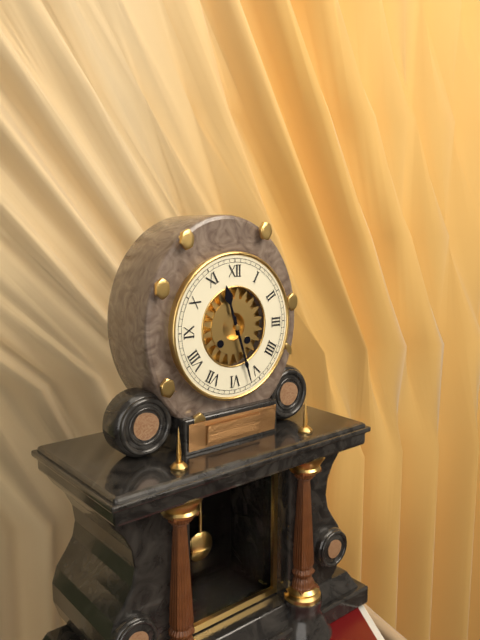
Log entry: 11 h 27 min
